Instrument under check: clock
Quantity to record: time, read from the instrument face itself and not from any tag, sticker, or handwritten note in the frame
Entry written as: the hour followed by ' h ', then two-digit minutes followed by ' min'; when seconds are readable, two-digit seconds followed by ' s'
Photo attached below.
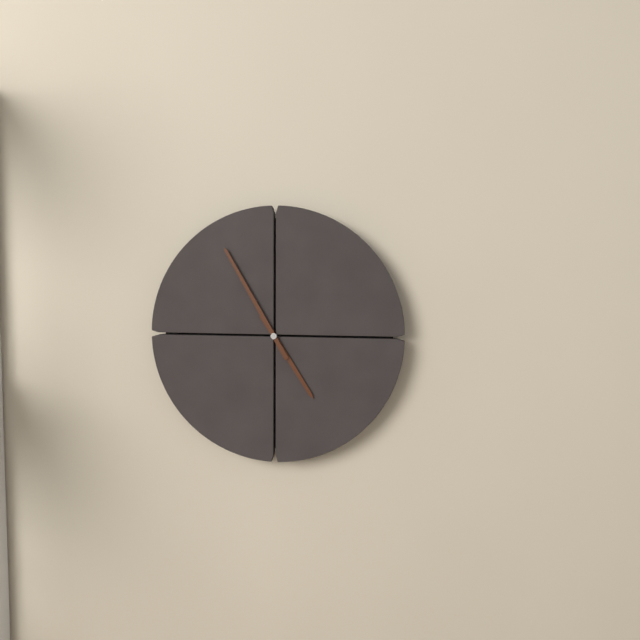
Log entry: 4 h 55 min
